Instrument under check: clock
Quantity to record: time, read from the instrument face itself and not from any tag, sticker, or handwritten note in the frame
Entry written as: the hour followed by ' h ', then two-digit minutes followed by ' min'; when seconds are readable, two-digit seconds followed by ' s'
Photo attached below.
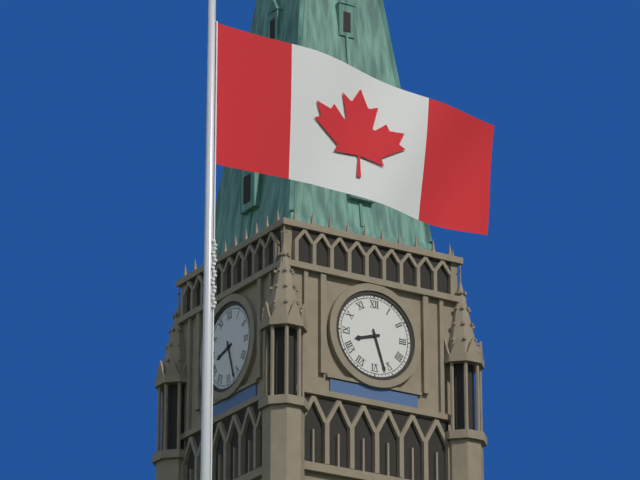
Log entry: 8 h 27 min
